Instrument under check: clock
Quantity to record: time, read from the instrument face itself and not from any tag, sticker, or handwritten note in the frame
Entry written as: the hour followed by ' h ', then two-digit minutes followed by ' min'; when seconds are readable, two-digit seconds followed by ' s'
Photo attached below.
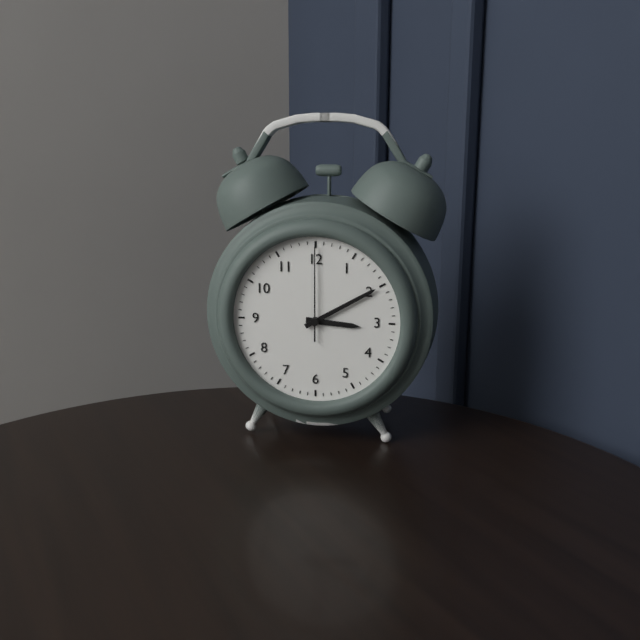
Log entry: 3 h 10 min 00 s
